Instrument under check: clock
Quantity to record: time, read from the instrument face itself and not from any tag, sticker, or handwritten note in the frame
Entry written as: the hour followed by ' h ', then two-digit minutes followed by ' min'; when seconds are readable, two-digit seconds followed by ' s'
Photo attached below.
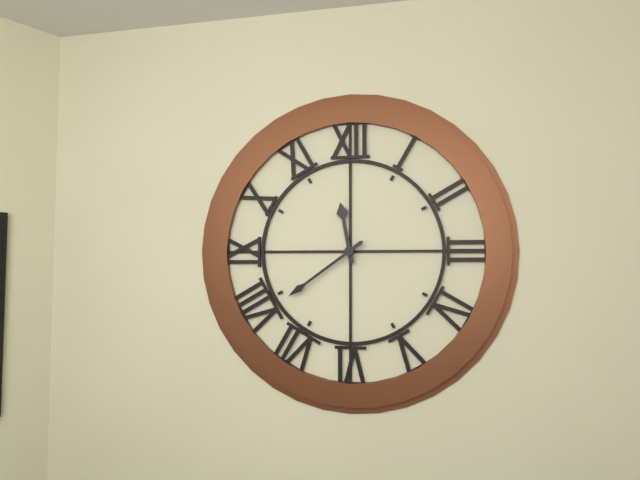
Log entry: 11 h 39 min
